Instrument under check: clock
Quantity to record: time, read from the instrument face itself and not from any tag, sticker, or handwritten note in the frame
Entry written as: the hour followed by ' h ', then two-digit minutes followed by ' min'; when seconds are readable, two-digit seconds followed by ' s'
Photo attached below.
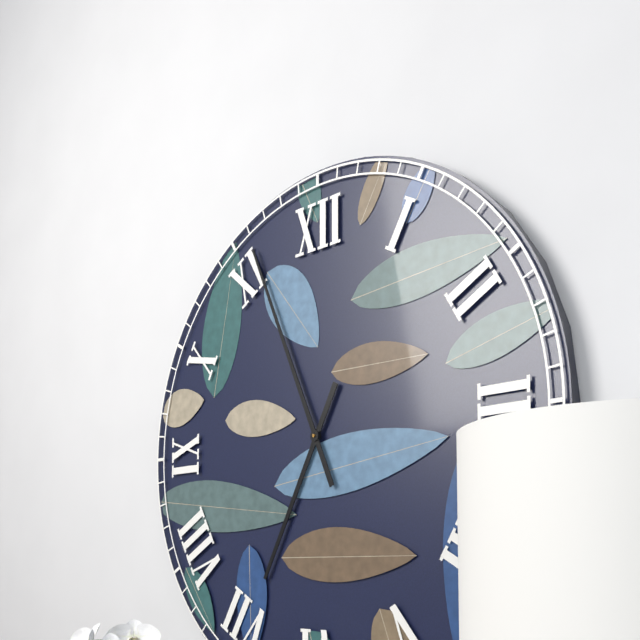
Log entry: 6 h 56 min
